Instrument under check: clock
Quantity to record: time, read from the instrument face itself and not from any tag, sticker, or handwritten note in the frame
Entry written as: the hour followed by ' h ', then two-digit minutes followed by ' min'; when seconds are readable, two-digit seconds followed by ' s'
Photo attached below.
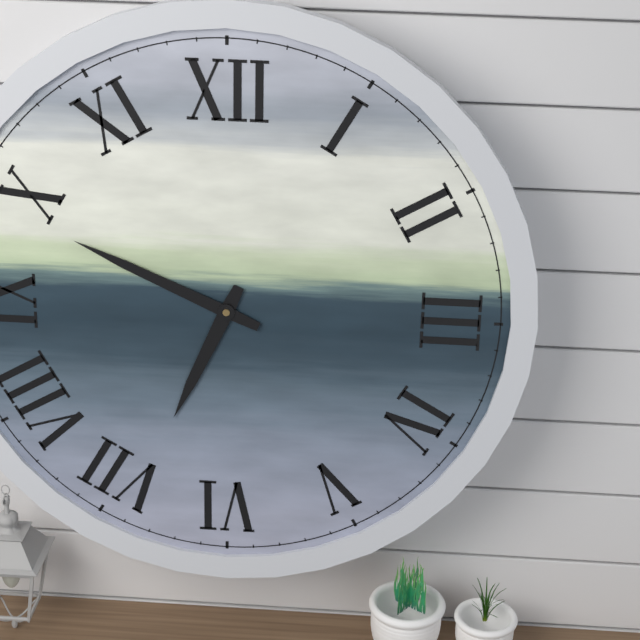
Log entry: 6 h 49 min
